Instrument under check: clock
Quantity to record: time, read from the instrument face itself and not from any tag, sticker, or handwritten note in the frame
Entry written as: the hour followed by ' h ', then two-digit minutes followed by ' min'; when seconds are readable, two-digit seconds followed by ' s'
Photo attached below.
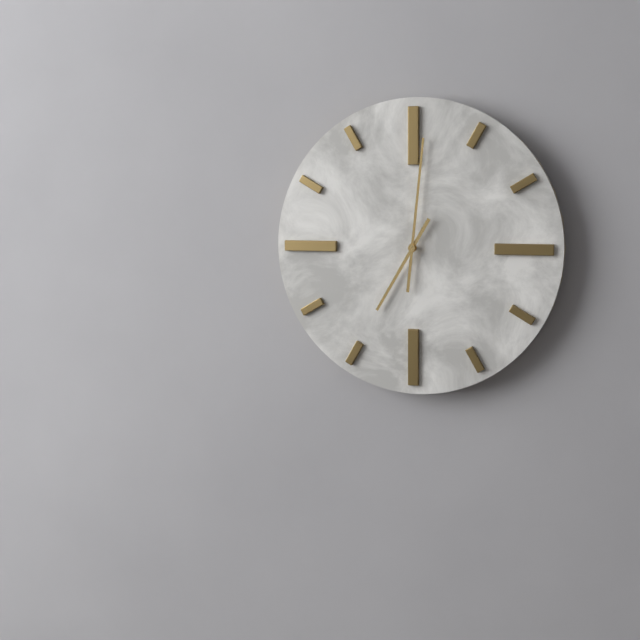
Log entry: 7 h 01 min
